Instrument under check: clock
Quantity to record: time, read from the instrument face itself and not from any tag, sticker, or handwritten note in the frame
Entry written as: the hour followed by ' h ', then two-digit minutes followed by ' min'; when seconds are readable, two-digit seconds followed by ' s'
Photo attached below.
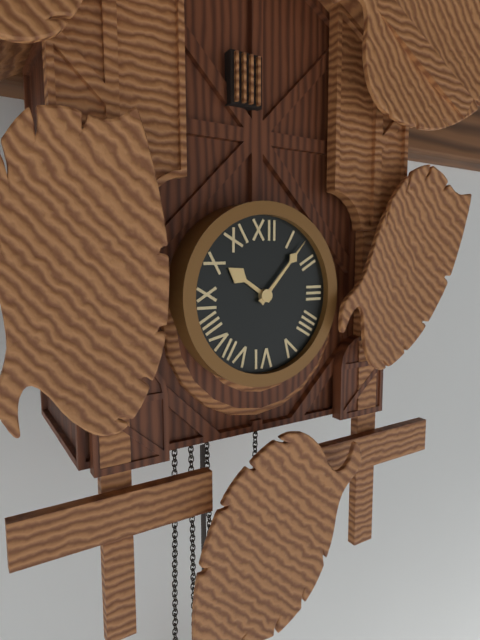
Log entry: 10 h 07 min
